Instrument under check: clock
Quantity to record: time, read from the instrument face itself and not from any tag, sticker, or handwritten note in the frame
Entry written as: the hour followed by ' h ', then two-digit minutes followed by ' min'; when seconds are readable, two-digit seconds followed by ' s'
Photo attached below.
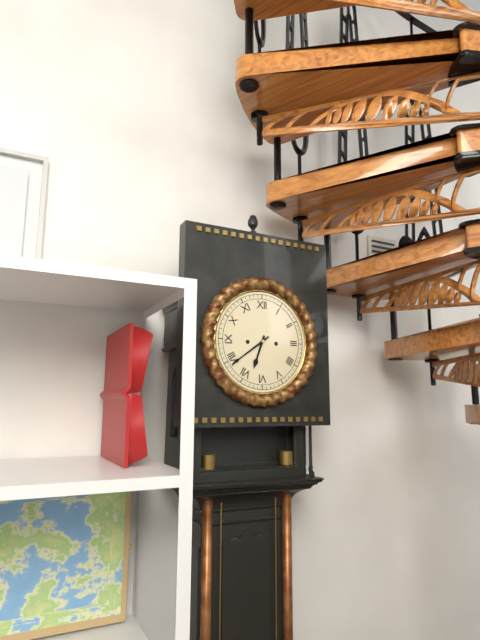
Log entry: 6 h 39 min
